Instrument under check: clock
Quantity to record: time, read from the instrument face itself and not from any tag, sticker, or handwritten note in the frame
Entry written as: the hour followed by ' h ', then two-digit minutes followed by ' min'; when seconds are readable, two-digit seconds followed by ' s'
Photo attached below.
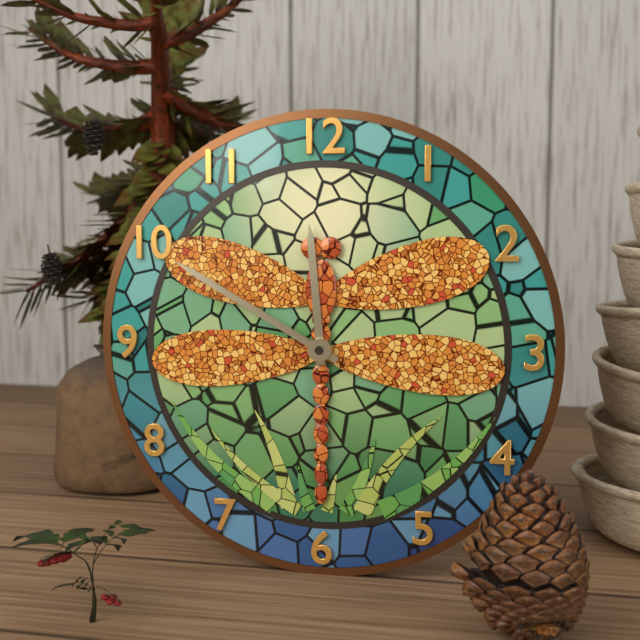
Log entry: 11 h 50 min
